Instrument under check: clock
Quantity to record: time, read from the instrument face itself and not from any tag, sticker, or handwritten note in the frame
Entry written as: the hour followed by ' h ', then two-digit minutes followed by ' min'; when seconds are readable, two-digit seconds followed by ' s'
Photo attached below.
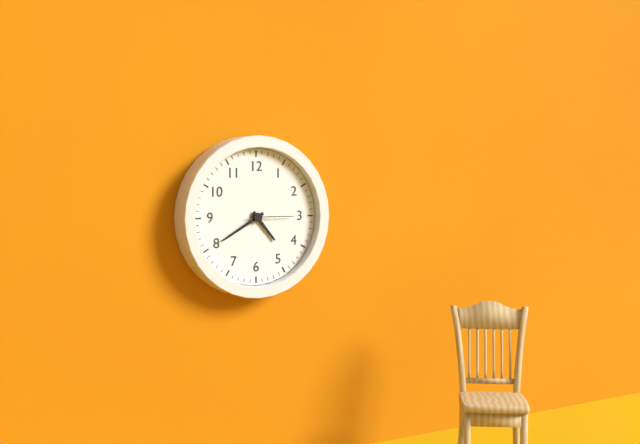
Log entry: 4 h 40 min
